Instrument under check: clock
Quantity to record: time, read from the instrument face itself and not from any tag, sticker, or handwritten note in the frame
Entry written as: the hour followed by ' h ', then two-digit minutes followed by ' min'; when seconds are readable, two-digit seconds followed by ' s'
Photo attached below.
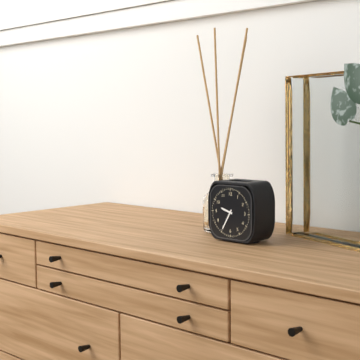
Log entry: 9 h 35 min
